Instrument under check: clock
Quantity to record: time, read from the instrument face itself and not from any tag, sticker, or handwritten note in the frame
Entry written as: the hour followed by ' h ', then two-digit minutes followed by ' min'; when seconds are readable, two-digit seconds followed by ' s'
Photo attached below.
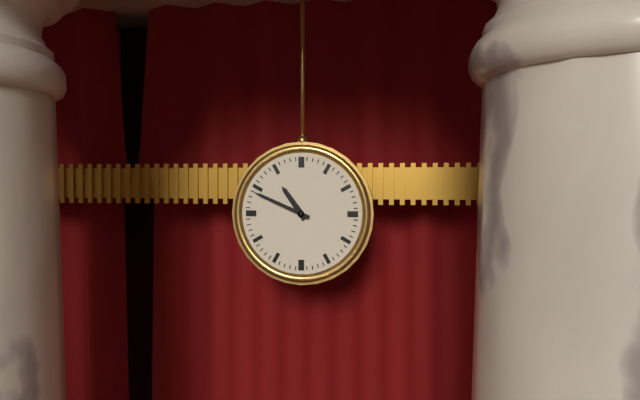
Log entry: 10 h 49 min
